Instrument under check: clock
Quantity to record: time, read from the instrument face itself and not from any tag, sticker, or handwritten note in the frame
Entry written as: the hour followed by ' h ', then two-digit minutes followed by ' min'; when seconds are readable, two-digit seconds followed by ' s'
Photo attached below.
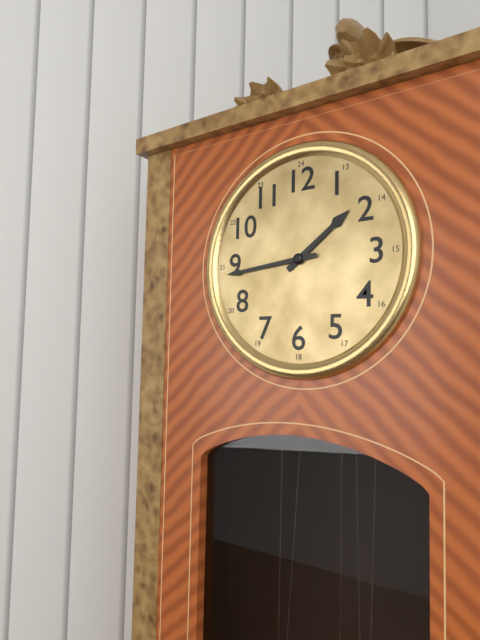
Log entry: 1 h 44 min
